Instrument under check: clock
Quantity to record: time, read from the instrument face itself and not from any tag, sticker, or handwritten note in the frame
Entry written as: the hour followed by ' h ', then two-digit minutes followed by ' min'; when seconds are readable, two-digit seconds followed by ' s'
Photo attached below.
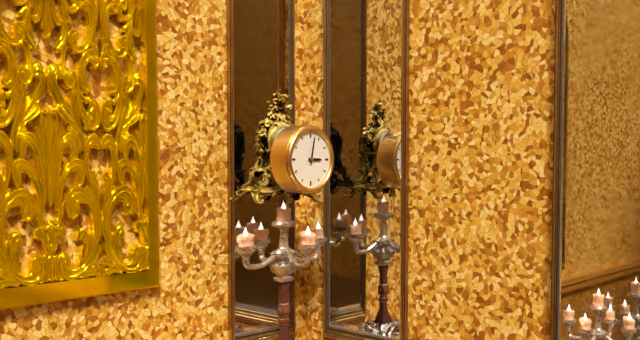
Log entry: 3 h 02 min
